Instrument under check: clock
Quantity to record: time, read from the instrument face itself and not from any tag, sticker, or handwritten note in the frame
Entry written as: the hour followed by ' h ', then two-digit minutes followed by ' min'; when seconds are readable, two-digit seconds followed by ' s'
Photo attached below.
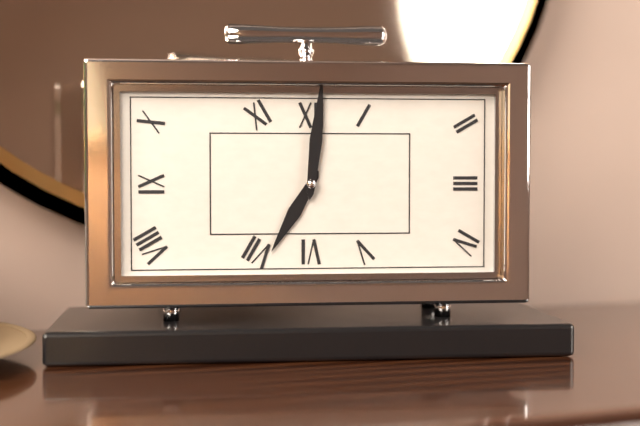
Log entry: 7 h 01 min
